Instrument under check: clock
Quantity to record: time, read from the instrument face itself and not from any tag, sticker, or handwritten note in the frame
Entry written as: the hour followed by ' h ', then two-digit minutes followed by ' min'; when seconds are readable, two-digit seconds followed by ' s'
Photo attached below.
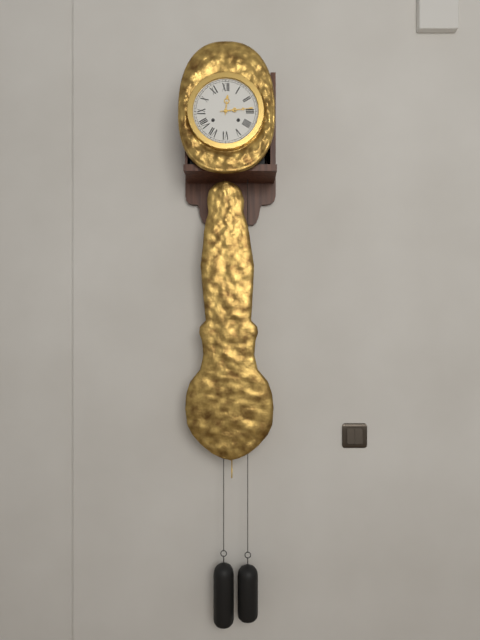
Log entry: 12 h 14 min
